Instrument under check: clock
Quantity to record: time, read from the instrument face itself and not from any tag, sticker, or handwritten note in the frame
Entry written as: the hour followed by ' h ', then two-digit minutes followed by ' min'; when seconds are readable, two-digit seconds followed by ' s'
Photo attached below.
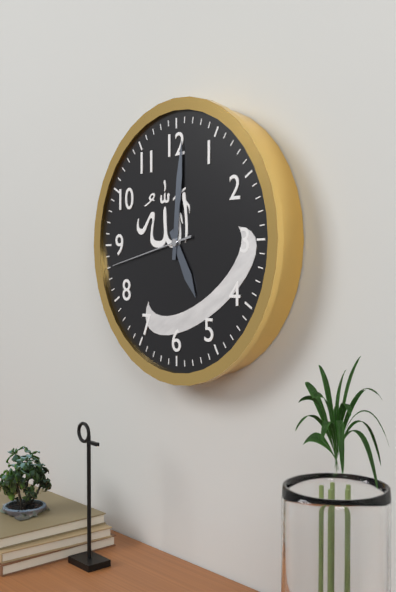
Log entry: 5 h 01 min 43 s
